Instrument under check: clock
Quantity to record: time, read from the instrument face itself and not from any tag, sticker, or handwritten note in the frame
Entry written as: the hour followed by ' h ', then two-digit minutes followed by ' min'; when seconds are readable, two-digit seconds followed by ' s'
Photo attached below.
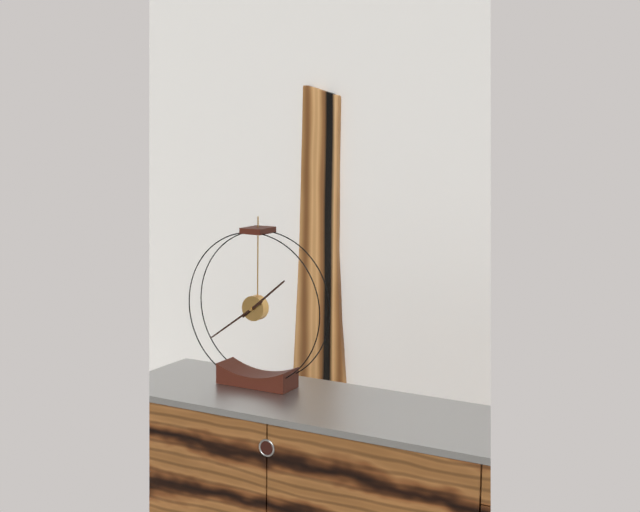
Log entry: 1 h 39 min
